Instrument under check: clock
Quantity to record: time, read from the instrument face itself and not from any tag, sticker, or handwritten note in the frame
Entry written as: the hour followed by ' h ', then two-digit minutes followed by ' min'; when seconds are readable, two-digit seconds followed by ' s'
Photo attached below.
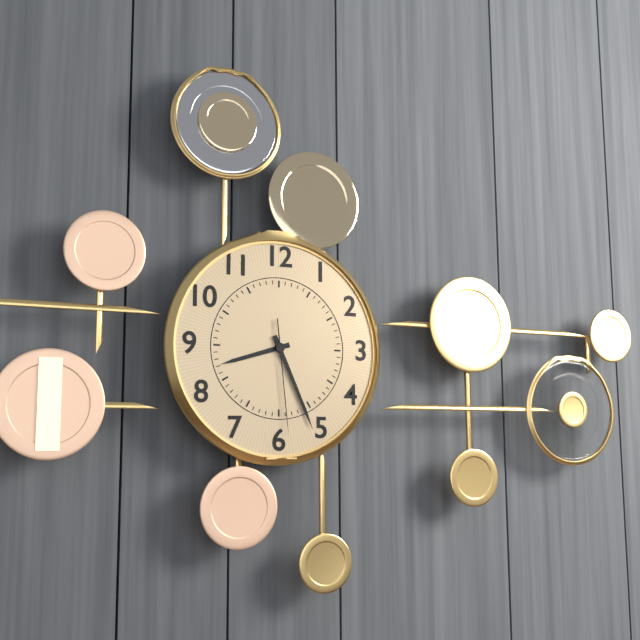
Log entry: 8 h 26 min 29 s
